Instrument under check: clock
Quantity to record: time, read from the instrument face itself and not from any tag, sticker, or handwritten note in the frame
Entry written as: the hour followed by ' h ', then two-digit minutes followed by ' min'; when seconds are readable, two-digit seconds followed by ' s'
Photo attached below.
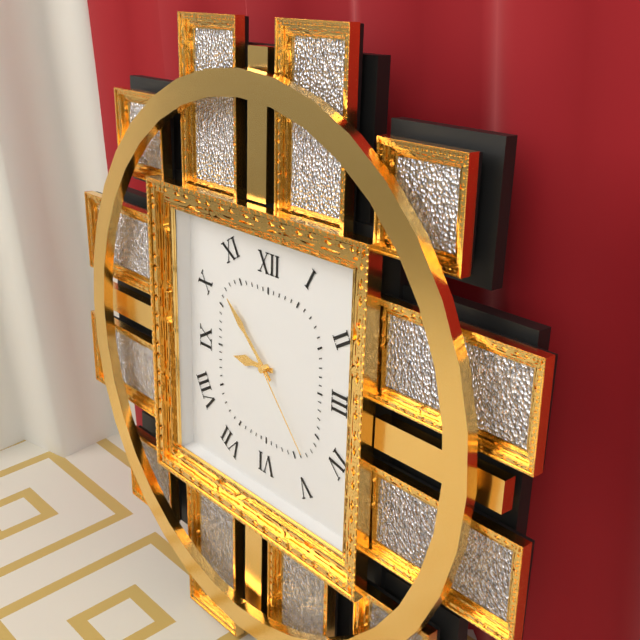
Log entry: 8 h 52 min 23 s
